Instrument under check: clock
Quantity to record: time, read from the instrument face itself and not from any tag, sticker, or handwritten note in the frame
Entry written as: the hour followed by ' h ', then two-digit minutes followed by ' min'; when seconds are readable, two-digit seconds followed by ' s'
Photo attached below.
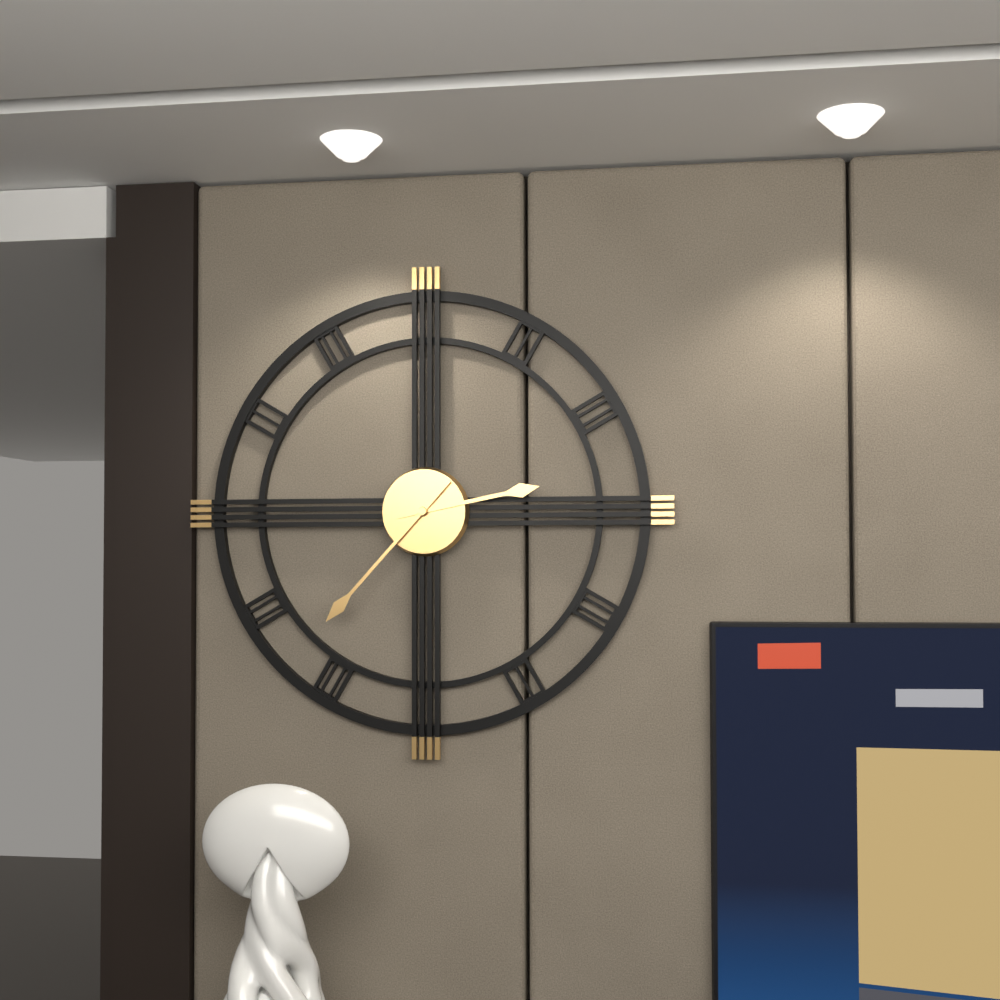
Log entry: 2 h 37 min
